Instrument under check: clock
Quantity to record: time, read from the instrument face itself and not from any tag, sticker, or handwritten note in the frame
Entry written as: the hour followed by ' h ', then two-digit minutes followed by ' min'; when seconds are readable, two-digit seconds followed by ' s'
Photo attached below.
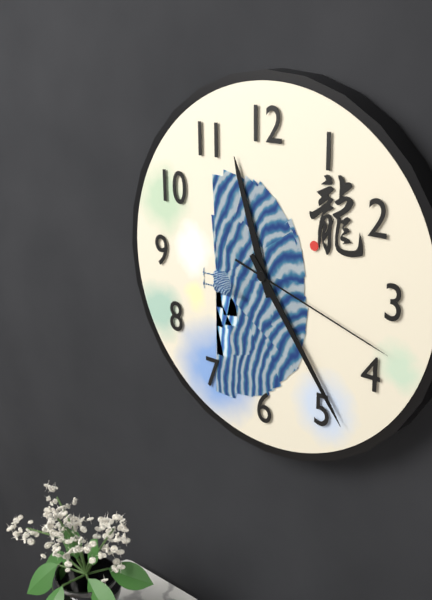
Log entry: 11 h 24 min 18 s
